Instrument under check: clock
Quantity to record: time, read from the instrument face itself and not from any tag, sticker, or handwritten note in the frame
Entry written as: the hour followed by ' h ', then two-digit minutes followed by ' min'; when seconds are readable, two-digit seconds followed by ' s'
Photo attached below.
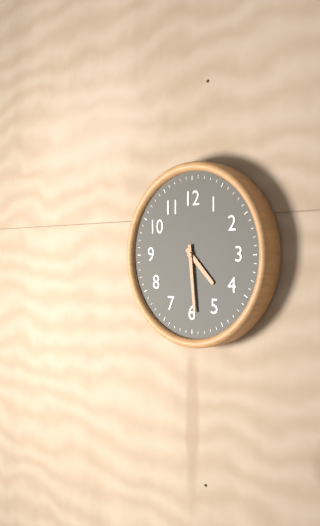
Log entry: 4 h 29 min
